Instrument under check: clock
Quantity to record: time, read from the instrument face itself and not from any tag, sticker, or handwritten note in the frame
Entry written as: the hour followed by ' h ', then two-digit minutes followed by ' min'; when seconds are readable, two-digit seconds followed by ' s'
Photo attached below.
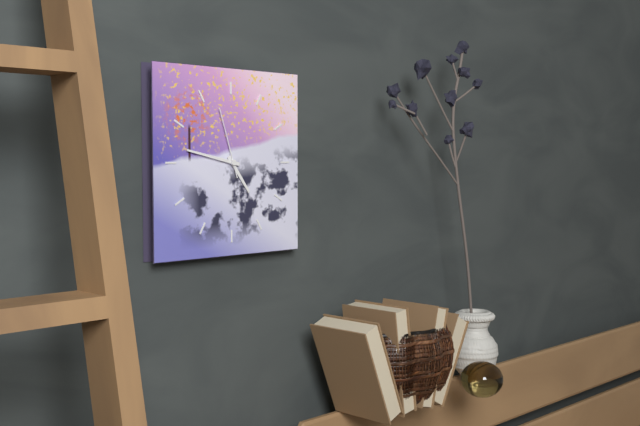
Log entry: 4 h 47 min 57 s
